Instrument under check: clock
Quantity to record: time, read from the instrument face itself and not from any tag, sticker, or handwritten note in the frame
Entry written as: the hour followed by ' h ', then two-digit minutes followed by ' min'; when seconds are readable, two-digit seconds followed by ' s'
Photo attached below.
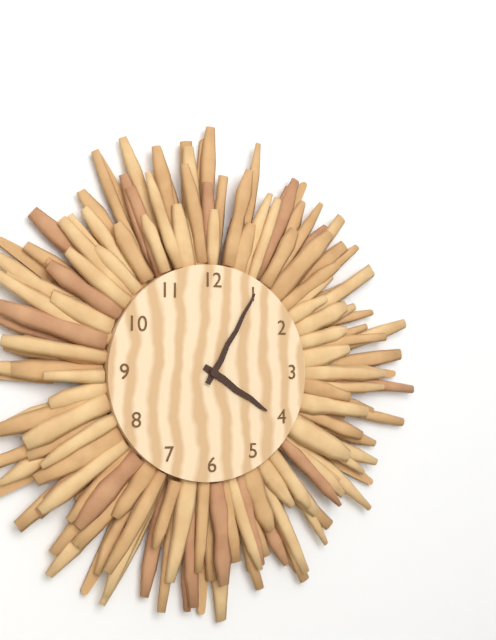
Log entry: 4 h 05 min
